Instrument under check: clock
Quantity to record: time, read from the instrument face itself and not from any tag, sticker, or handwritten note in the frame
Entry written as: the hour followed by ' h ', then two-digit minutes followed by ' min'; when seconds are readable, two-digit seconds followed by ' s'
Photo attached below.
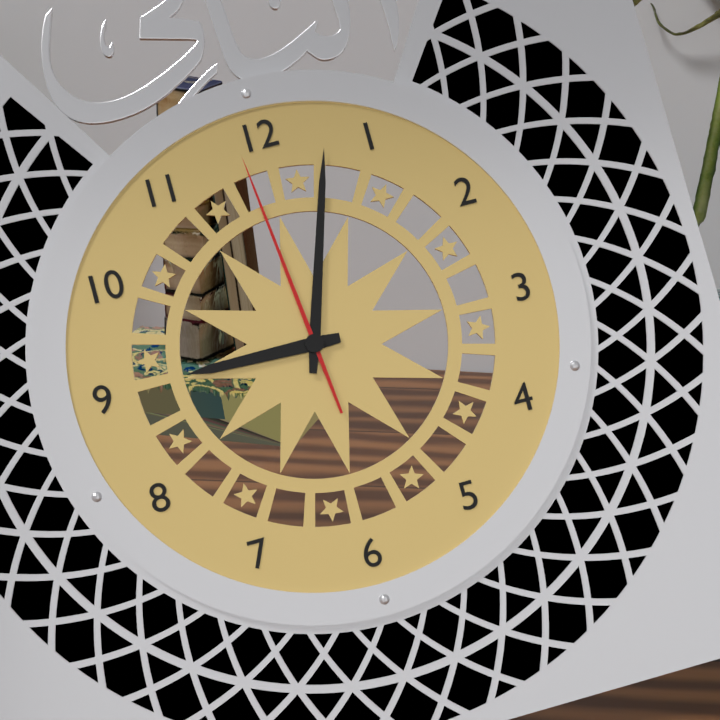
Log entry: 9 h 03 min 59 s
